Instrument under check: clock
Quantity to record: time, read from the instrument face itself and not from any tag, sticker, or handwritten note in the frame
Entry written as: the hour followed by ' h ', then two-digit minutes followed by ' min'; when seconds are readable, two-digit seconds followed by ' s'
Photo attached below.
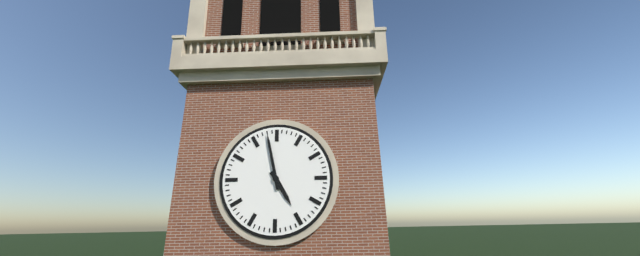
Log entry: 4 h 58 min
